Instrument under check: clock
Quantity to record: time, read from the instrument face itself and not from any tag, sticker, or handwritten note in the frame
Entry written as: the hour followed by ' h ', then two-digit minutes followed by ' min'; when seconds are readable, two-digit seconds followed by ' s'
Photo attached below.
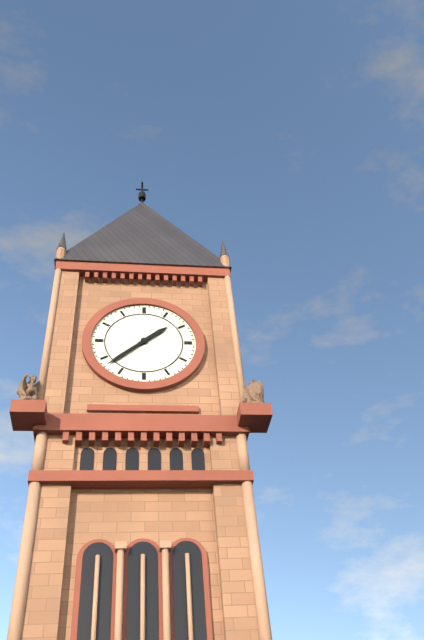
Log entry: 1 h 38 min
